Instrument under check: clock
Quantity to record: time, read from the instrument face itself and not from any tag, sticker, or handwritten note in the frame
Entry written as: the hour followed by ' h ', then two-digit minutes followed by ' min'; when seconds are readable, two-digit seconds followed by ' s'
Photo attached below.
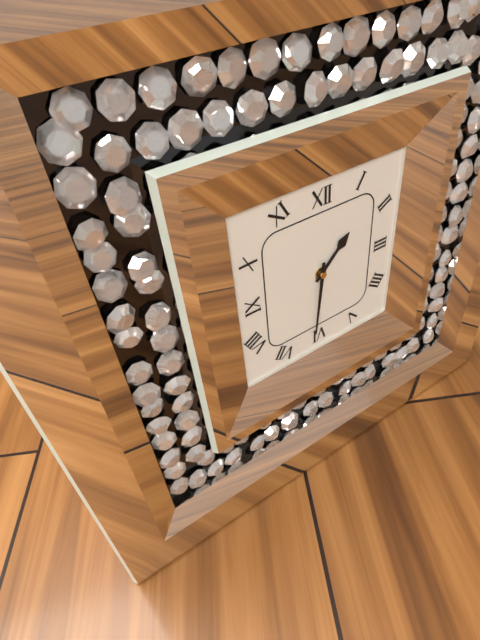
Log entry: 1 h 31 min
